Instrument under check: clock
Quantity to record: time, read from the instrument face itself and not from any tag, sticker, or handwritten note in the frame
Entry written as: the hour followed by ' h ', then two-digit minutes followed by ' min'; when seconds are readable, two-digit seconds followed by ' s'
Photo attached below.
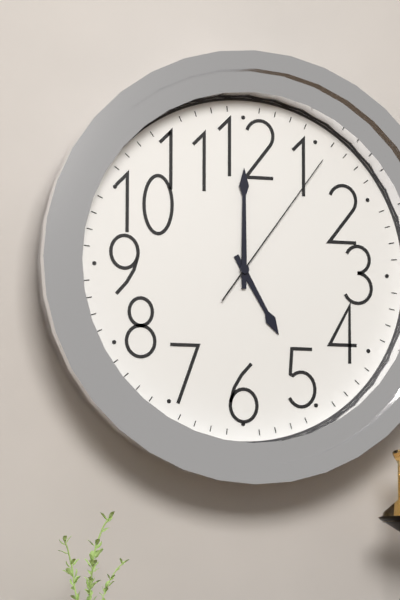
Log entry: 5 h 00 min 06 s
